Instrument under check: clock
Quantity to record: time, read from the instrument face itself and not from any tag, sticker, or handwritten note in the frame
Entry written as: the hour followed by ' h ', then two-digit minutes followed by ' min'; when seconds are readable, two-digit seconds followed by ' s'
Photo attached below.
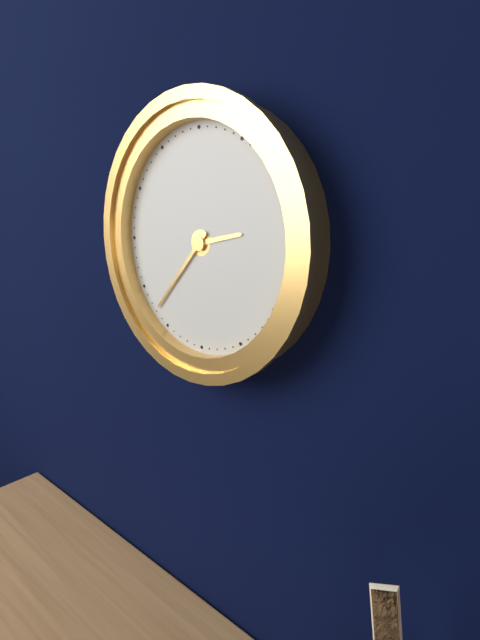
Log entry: 2 h 37 min
